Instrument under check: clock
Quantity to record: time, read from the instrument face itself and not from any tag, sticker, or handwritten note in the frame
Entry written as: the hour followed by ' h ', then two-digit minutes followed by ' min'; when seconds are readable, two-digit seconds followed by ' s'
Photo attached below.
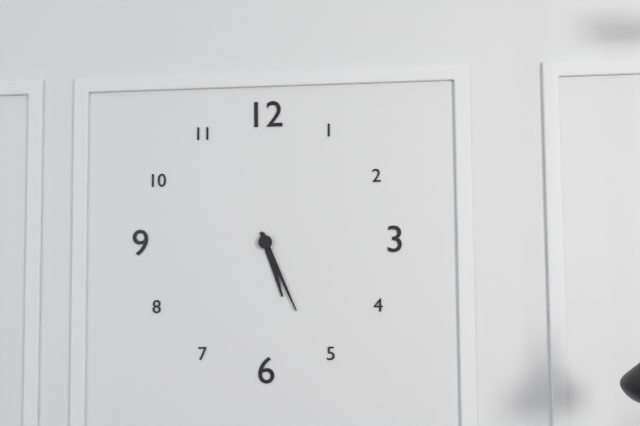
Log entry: 5 h 26 min
